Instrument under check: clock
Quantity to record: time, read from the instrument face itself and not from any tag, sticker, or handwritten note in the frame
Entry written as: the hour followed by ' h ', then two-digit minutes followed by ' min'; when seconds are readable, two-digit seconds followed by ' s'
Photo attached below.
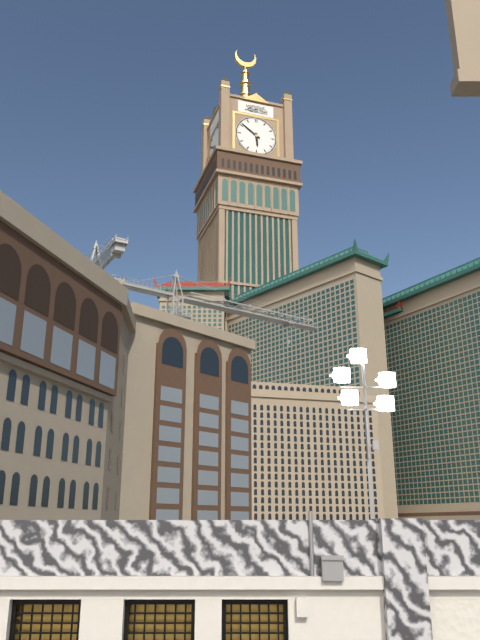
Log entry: 5 h 51 min
